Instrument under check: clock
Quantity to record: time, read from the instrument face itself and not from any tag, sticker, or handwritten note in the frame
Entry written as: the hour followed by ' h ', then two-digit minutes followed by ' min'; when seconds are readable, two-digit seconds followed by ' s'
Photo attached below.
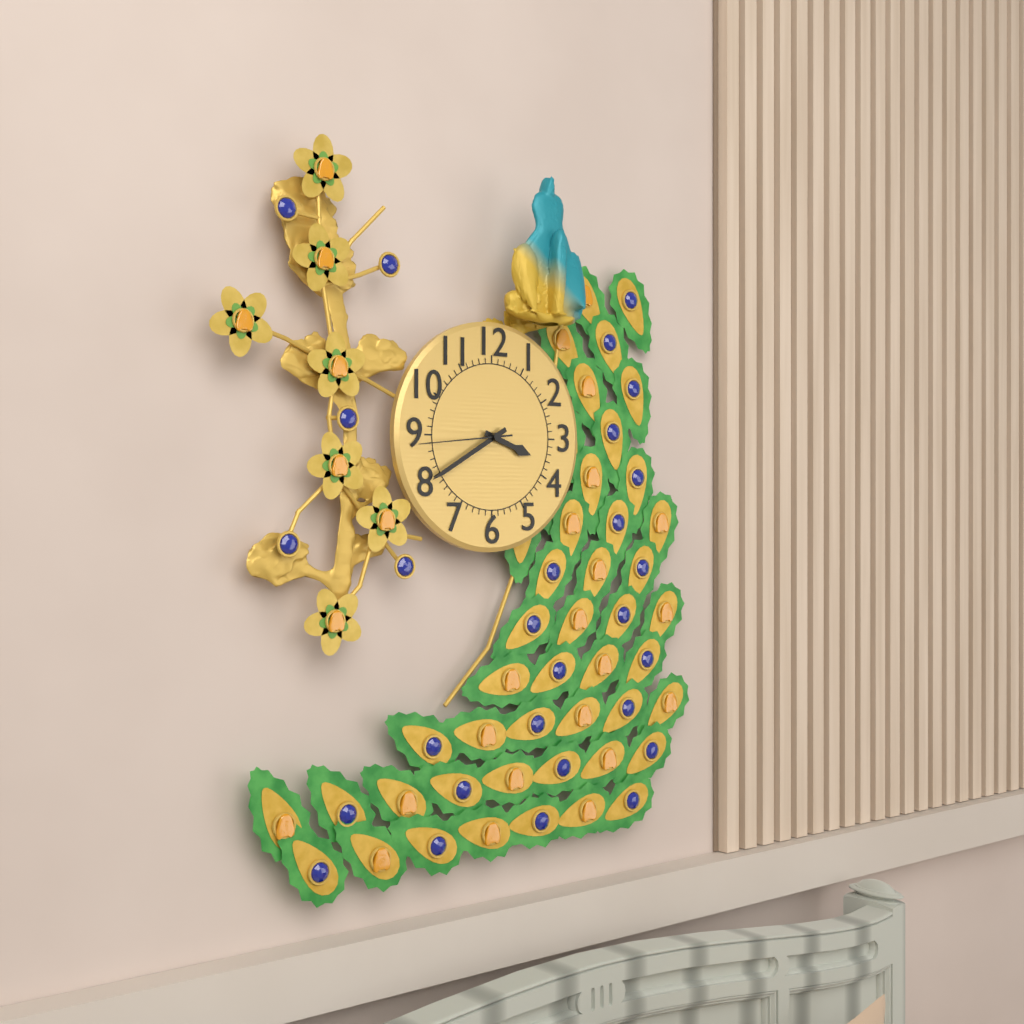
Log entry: 3 h 40 min 44 s
